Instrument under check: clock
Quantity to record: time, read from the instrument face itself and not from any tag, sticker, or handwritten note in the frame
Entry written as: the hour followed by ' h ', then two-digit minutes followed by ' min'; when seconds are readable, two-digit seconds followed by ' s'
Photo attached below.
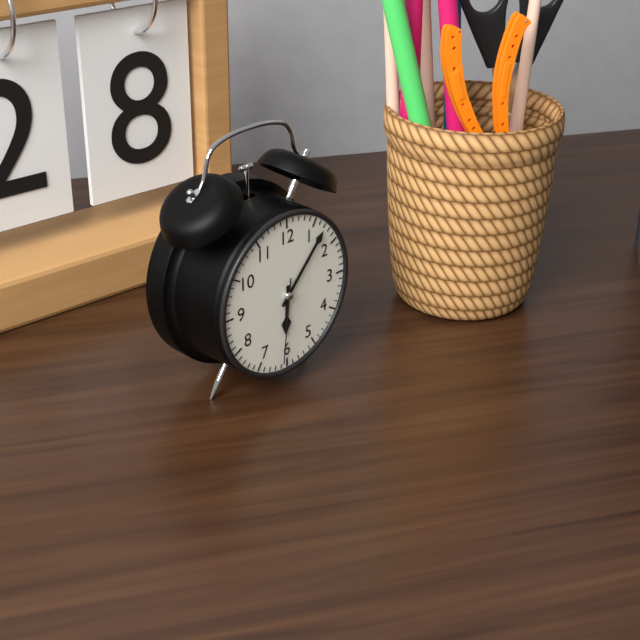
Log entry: 6 h 07 min 31 s
